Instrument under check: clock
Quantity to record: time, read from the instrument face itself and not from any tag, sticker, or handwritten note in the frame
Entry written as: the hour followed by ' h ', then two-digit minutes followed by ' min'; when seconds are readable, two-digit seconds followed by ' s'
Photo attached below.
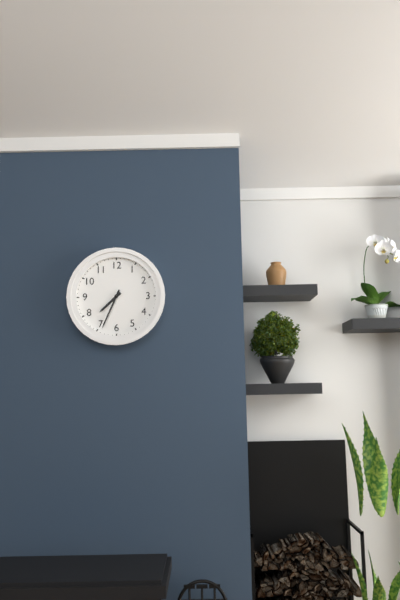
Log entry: 7 h 34 min
